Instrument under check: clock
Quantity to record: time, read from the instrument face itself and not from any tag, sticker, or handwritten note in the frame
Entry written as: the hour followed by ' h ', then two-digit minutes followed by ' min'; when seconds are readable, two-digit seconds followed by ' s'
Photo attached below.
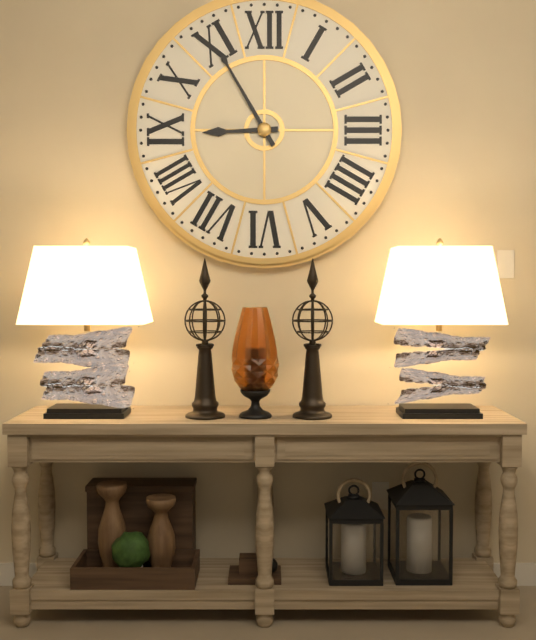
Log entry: 8 h 55 min
